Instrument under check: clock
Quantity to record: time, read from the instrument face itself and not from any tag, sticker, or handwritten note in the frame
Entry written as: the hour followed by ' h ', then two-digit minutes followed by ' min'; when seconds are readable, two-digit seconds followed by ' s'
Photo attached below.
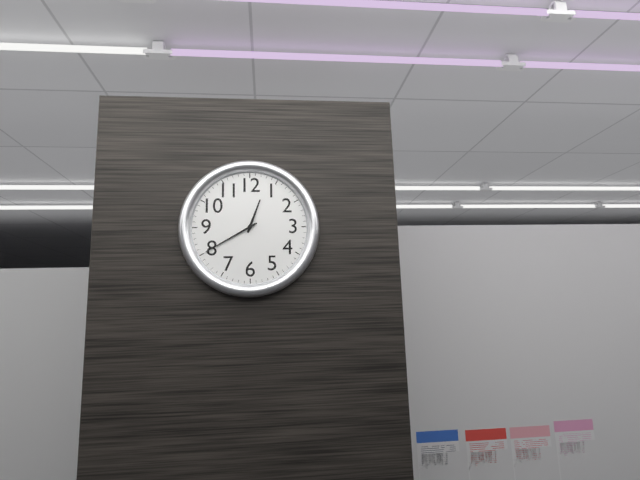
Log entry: 12 h 40 min
